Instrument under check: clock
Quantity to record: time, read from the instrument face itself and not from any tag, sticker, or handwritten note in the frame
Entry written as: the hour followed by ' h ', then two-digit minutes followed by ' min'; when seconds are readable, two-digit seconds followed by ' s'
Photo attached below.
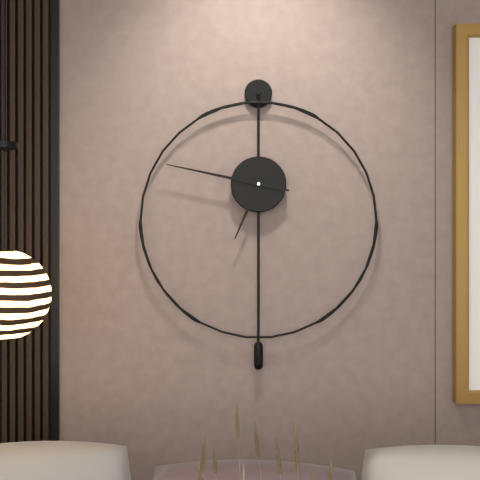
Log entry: 6 h 47 min
